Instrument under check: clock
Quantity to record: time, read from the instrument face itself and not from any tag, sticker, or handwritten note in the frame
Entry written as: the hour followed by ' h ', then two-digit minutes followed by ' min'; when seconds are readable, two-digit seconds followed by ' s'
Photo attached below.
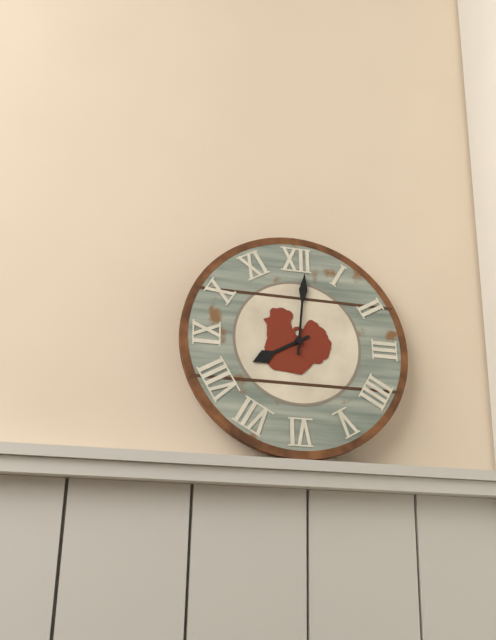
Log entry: 8 h 01 min
